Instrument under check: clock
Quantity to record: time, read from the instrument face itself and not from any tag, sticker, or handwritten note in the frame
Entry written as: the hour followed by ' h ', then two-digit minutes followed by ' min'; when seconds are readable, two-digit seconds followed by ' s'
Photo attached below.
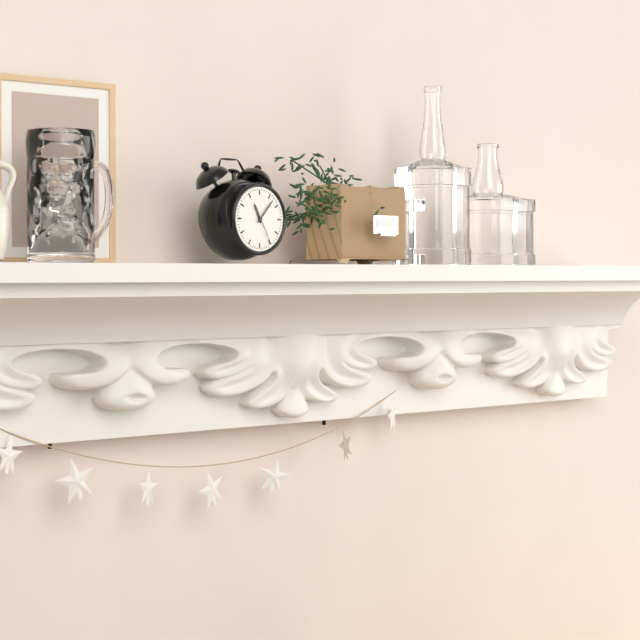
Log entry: 11 h 07 min
